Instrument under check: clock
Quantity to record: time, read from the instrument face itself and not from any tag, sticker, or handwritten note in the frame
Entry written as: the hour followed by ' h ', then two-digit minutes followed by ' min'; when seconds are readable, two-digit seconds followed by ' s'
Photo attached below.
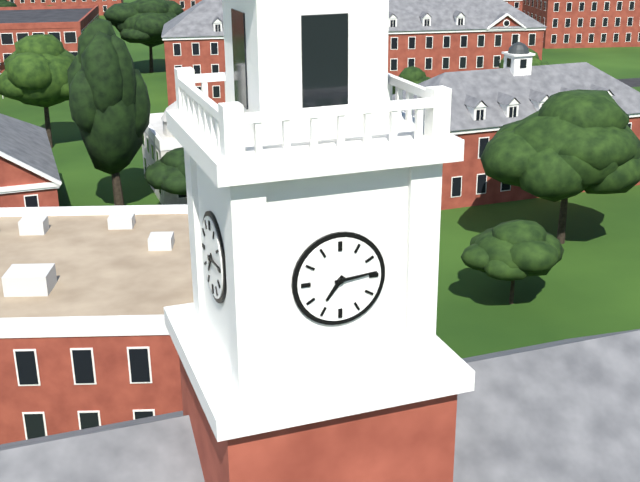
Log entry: 7 h 14 min
